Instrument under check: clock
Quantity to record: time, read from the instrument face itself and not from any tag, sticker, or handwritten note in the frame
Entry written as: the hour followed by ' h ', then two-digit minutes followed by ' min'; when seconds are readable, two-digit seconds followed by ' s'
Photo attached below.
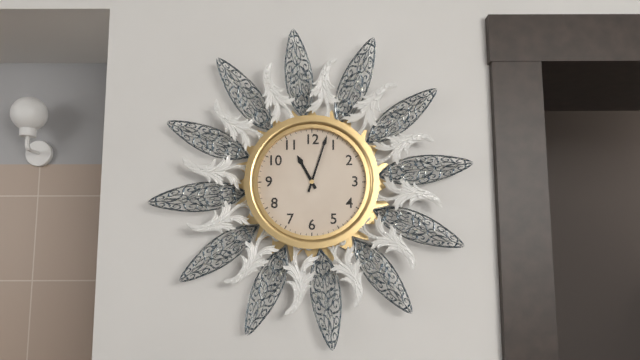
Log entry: 11 h 03 min
